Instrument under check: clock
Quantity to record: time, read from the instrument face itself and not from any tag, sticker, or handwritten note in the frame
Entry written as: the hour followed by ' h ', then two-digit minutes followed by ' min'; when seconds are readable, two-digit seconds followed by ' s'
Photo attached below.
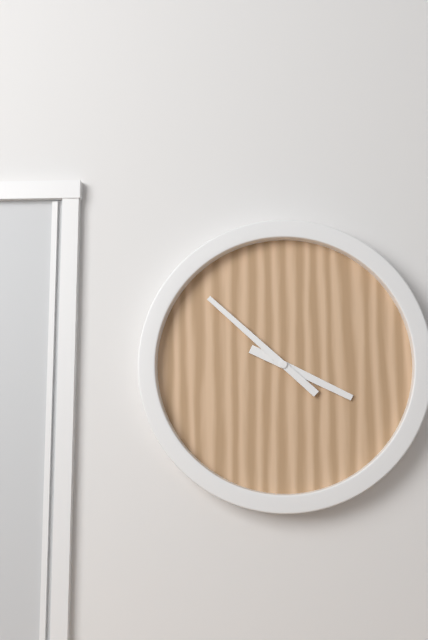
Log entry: 3 h 52 min
